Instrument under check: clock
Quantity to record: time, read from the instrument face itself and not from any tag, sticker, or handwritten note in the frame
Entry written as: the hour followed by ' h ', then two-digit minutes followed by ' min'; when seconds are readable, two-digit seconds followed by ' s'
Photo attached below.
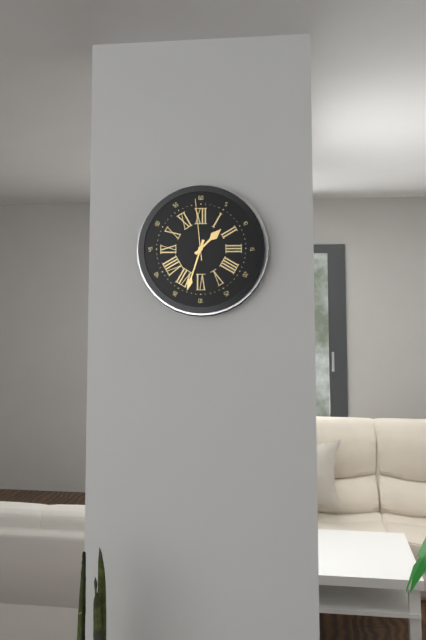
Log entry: 1 h 33 min 59 s
